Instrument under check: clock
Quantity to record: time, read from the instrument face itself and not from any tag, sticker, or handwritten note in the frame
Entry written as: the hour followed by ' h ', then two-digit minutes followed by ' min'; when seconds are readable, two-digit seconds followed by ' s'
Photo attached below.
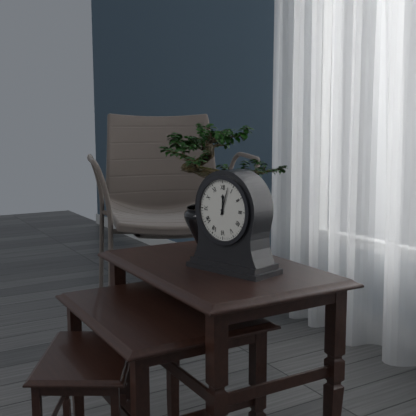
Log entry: 12 h 03 min
